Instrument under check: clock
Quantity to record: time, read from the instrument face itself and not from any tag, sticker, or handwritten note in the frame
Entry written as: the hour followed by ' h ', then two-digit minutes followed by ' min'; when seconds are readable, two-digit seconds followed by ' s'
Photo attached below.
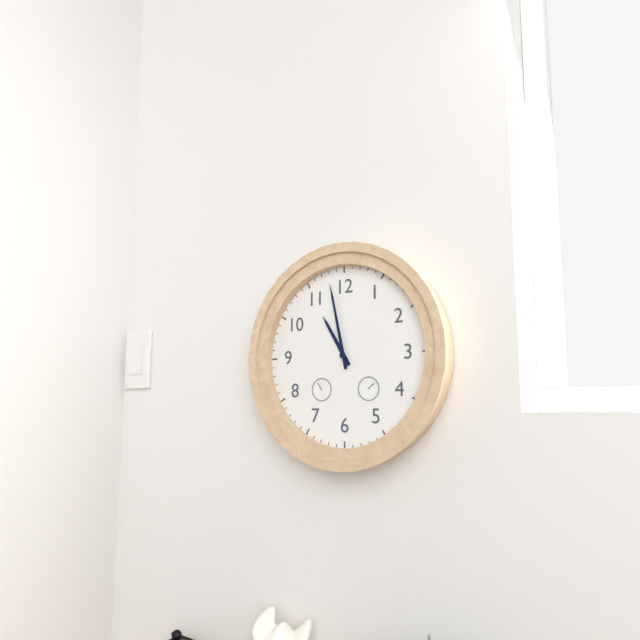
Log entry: 10 h 58 min
